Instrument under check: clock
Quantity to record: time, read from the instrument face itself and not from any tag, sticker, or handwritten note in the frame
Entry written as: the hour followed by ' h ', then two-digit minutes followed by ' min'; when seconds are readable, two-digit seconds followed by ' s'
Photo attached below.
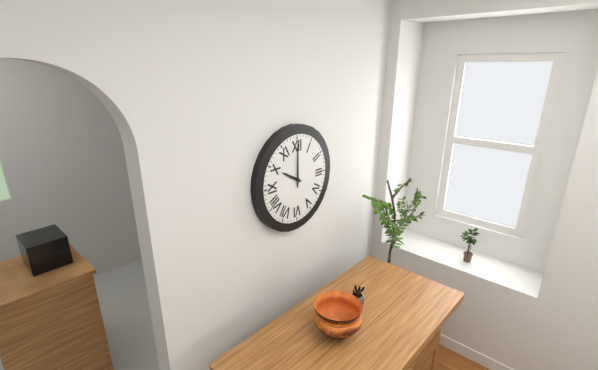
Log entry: 10 h 00 min
